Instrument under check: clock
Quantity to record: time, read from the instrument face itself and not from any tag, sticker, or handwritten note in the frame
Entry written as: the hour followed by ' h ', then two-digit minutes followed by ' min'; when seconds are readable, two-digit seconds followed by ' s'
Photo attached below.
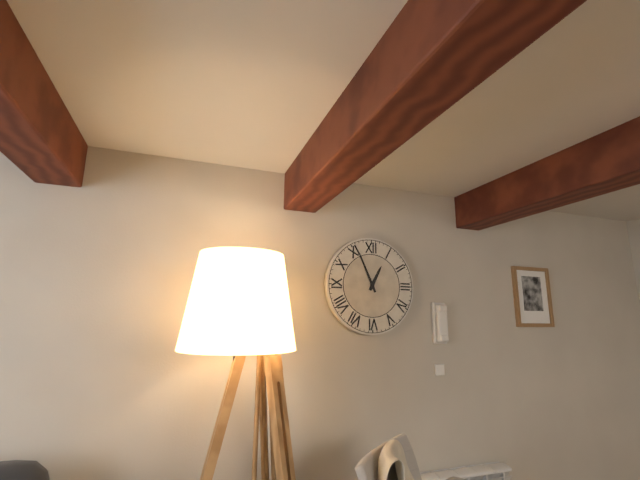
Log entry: 12 h 56 min
